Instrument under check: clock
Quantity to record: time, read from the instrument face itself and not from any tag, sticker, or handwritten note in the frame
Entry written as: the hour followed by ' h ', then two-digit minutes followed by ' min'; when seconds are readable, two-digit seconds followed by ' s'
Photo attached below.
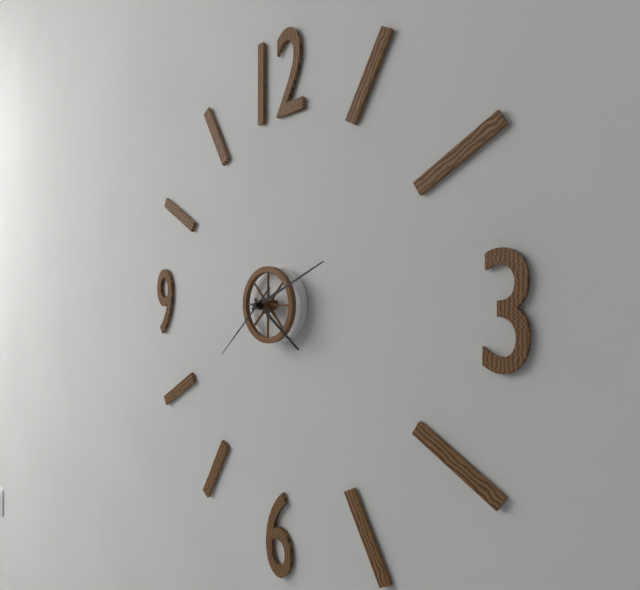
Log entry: 4 h 11 min 38 s
